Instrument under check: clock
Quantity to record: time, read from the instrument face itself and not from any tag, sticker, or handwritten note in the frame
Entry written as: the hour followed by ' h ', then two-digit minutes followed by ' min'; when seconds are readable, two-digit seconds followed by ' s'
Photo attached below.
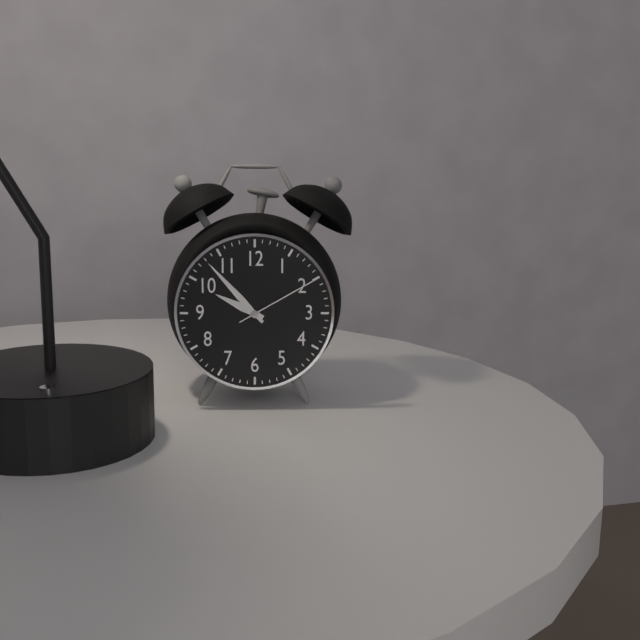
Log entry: 9 h 53 min 10 s
